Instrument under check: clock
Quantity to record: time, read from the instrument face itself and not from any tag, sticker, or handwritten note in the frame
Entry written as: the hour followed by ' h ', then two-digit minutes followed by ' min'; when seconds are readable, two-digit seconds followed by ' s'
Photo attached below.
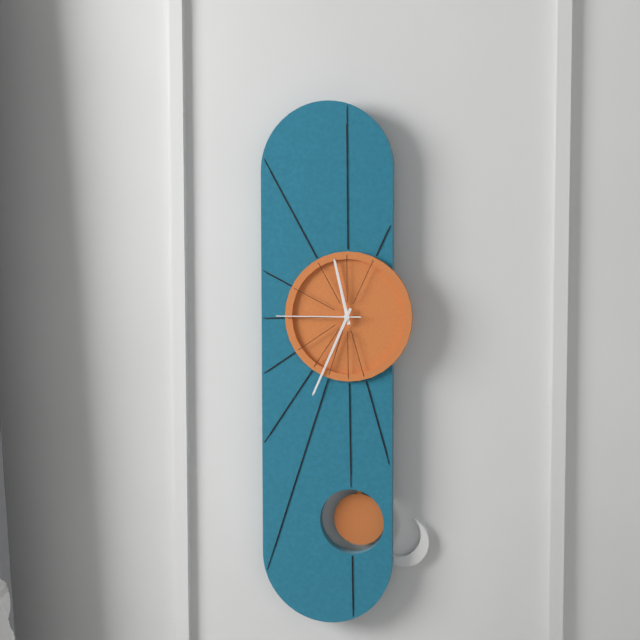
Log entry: 11 h 34 min 45 s
